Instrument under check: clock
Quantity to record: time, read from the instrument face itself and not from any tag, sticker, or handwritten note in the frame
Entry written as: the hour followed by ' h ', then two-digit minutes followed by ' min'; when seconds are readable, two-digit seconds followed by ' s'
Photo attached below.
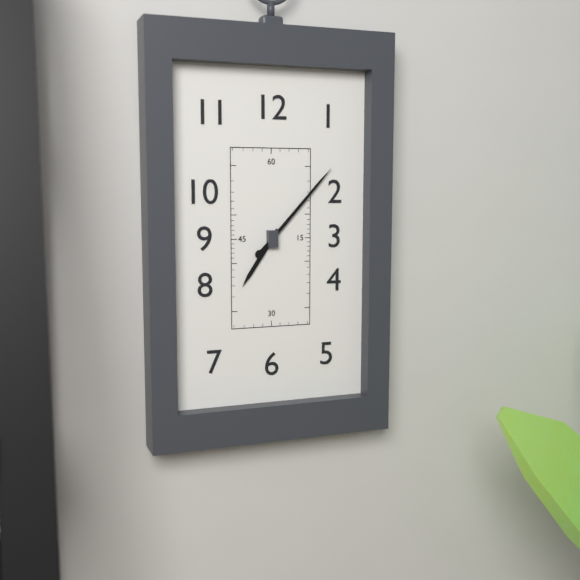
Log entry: 7 h 07 min
